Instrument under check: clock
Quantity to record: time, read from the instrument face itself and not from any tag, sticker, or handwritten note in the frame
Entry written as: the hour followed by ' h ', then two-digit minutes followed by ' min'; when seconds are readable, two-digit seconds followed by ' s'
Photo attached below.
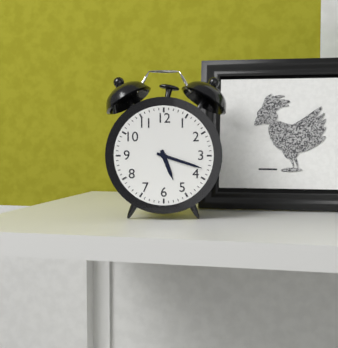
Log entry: 5 h 18 min
